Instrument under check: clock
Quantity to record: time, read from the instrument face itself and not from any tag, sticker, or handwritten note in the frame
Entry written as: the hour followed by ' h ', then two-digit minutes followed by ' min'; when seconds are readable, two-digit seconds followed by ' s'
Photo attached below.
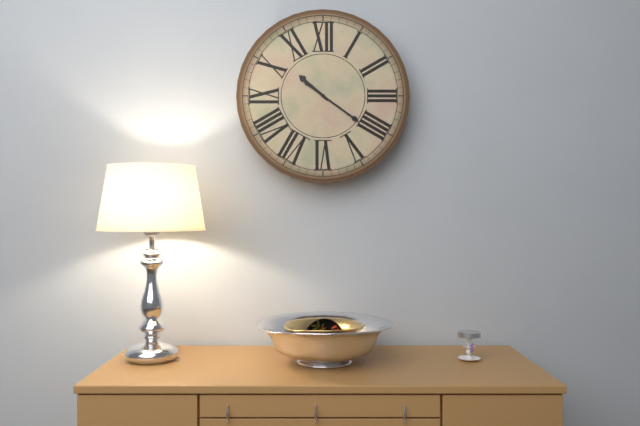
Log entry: 10 h 21 min
